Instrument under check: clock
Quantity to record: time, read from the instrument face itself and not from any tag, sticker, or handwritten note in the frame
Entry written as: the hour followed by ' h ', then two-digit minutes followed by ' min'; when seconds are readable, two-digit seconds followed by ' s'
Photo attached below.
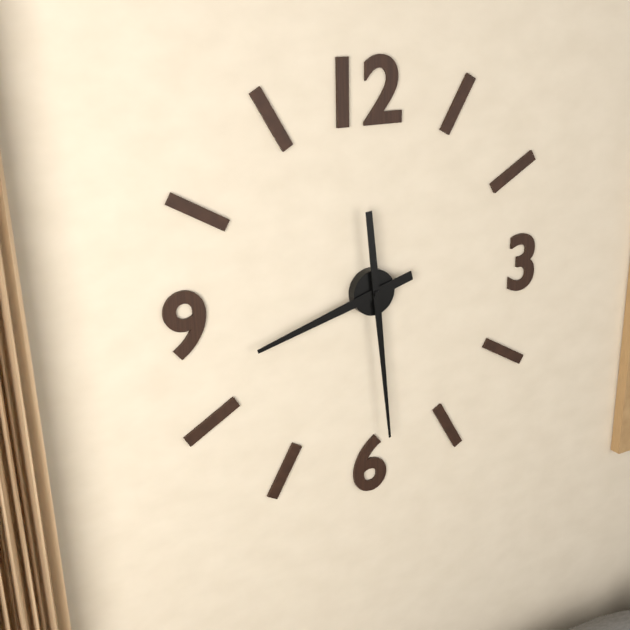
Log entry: 8 h 29 min
